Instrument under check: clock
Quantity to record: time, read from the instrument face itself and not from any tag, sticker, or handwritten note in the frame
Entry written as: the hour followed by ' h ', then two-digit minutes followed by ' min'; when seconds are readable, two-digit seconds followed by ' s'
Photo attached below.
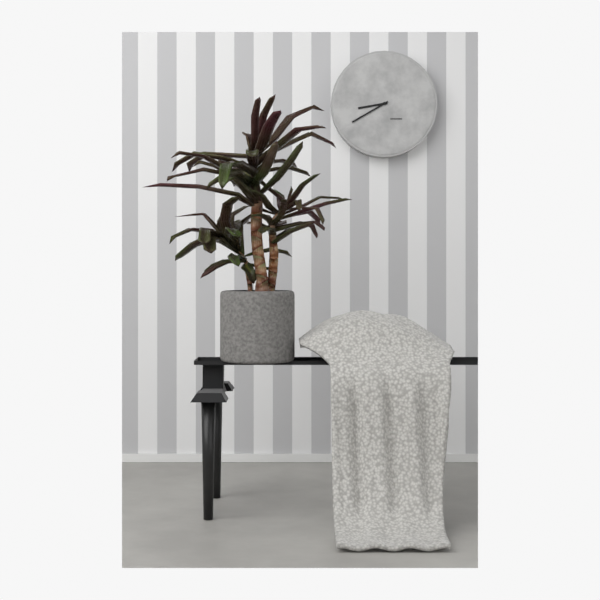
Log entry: 8 h 40 min
